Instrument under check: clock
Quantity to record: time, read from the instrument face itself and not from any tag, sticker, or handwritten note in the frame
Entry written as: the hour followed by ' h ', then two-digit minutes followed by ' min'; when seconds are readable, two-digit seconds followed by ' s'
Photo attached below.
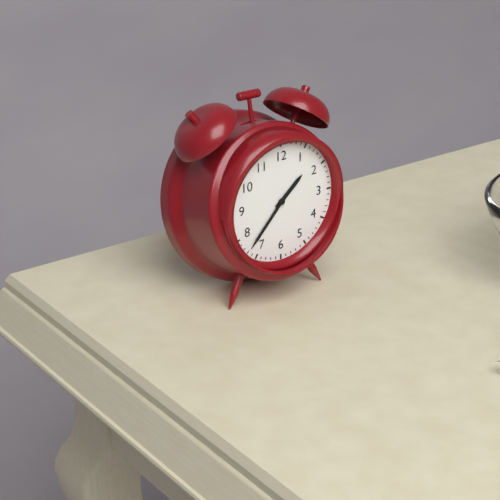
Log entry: 1 h 37 min
